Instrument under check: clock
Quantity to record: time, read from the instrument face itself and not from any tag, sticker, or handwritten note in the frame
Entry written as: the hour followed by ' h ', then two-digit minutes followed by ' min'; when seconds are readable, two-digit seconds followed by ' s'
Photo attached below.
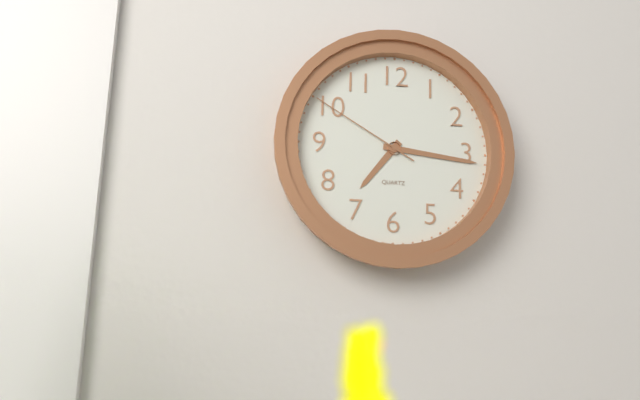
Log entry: 7 h 16 min 50 s
